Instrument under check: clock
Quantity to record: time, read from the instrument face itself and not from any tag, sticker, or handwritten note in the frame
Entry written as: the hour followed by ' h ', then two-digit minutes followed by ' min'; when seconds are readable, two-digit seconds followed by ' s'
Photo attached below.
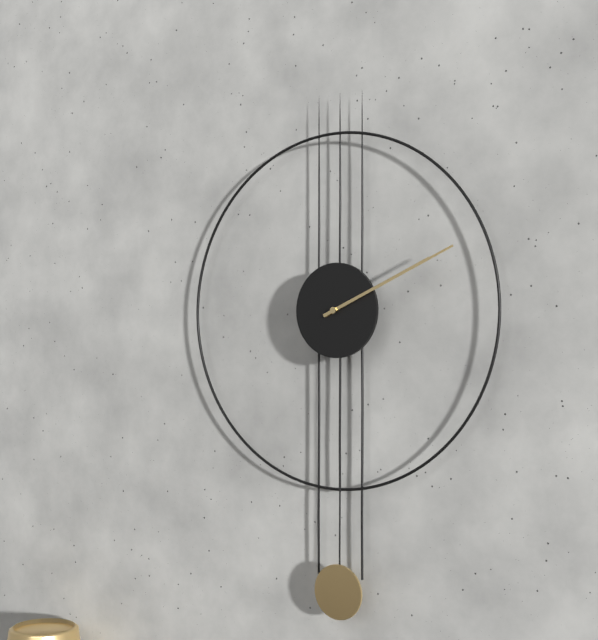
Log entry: 2 h 11 min
